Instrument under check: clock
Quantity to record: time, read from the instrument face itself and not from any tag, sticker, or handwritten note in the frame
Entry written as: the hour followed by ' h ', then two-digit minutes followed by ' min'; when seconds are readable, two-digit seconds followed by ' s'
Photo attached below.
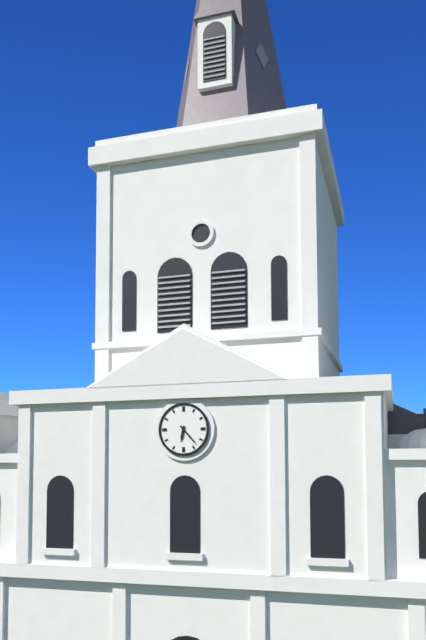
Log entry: 6 h 23 min
